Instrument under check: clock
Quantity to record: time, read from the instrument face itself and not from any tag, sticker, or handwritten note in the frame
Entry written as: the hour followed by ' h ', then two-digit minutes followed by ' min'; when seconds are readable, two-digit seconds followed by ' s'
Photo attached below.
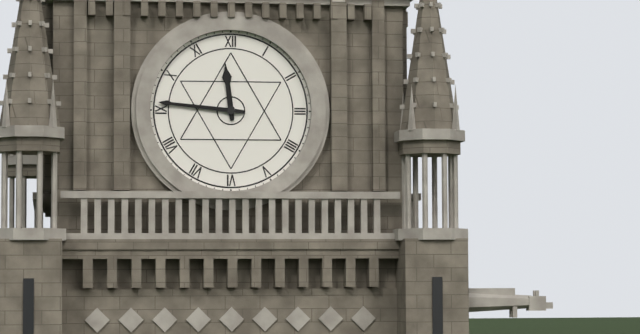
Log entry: 11 h 46 min
